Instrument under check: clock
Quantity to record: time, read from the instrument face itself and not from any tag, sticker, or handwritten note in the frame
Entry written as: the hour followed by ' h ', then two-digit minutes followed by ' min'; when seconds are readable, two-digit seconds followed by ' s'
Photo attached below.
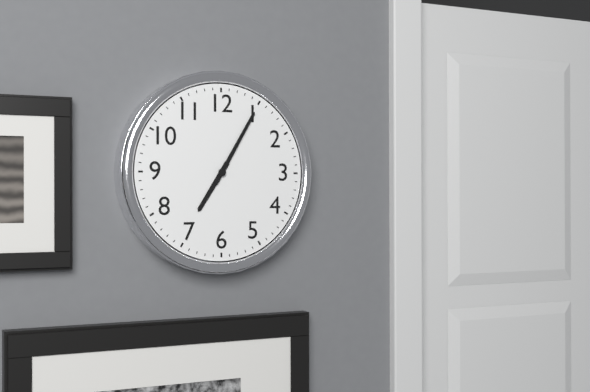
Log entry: 7 h 05 min
